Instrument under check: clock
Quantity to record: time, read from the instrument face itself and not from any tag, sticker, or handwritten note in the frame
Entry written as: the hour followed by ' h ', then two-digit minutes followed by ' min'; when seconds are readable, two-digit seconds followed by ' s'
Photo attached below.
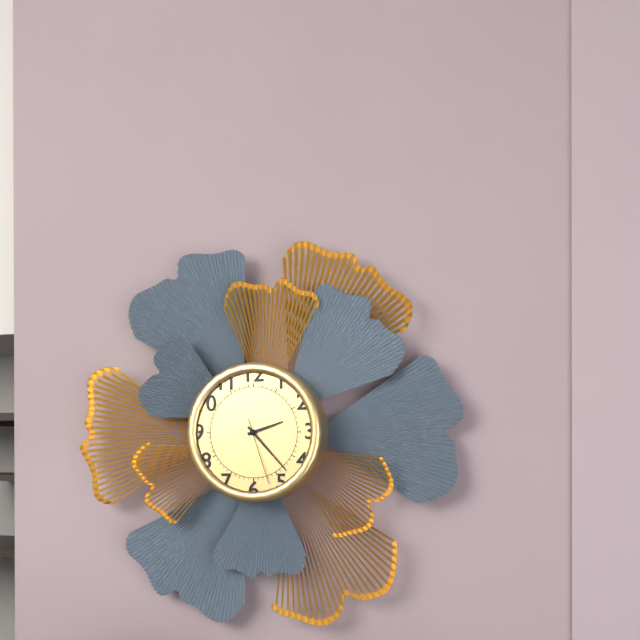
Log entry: 2 h 23 min 27 s
